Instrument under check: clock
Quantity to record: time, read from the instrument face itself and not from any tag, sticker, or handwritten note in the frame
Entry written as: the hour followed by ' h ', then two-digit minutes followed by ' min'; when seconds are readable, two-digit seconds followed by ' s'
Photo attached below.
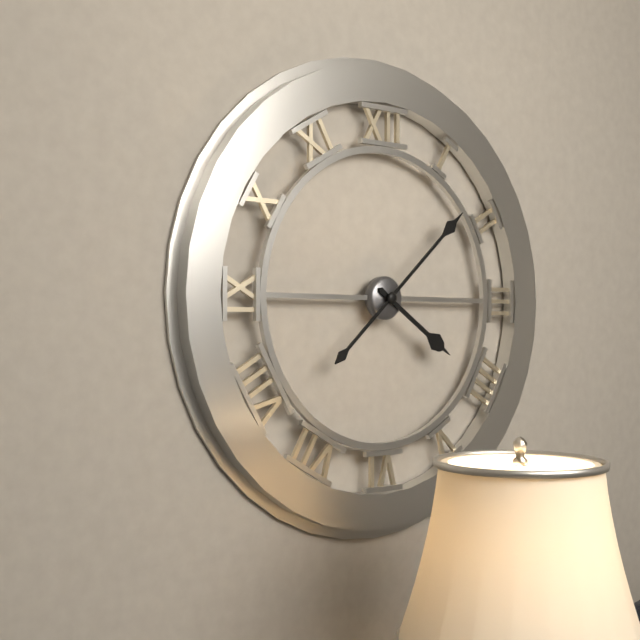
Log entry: 4 h 08 min
